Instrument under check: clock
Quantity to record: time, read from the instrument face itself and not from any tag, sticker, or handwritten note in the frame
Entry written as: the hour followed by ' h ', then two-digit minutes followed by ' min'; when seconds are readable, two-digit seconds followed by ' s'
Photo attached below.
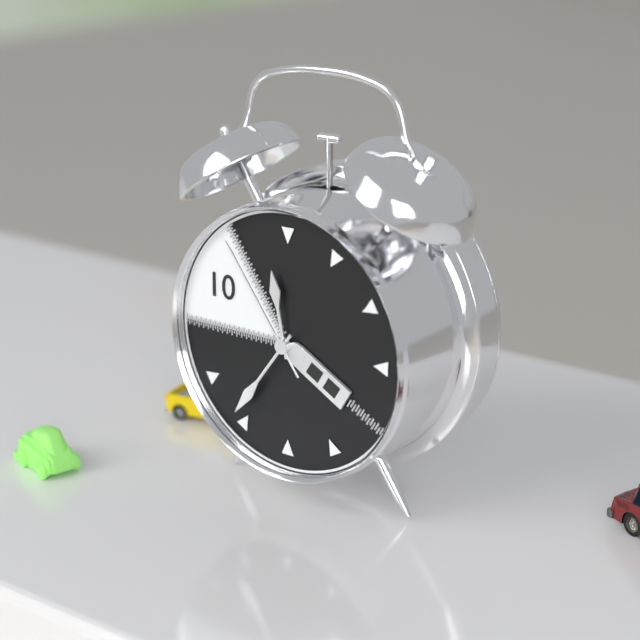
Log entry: 11 h 36 min 54 s
